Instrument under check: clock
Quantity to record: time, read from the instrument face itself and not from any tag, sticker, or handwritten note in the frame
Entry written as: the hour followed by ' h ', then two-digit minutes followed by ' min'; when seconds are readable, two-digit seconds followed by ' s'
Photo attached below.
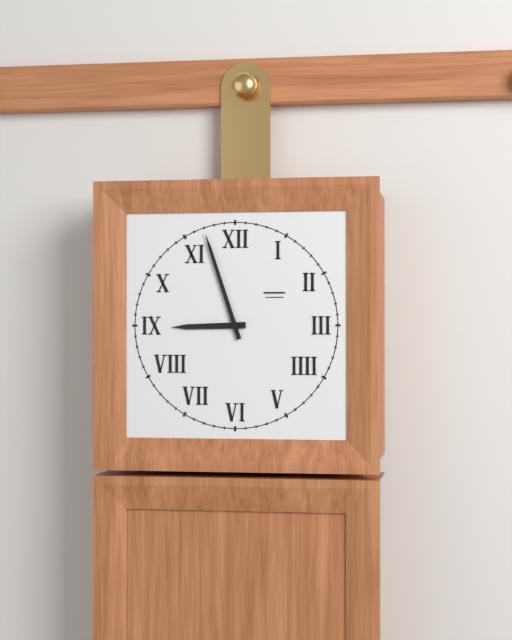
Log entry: 8 h 57 min
